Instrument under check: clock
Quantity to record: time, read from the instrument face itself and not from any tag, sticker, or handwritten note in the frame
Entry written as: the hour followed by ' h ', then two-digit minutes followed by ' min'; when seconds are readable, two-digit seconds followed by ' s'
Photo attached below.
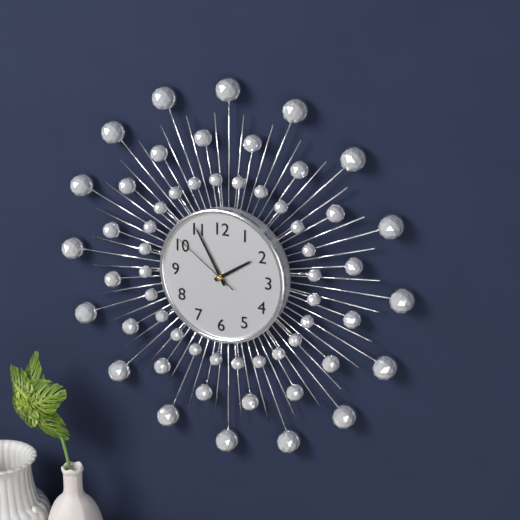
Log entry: 1 h 55 min 51 s
